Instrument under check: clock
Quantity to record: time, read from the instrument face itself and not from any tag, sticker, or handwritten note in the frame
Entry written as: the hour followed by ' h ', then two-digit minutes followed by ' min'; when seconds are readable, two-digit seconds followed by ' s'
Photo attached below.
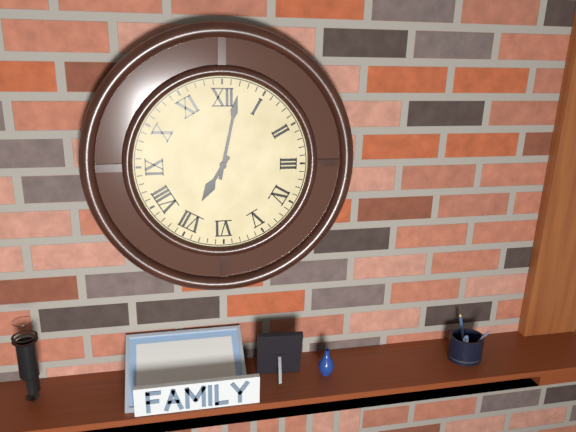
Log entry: 7 h 02 min
